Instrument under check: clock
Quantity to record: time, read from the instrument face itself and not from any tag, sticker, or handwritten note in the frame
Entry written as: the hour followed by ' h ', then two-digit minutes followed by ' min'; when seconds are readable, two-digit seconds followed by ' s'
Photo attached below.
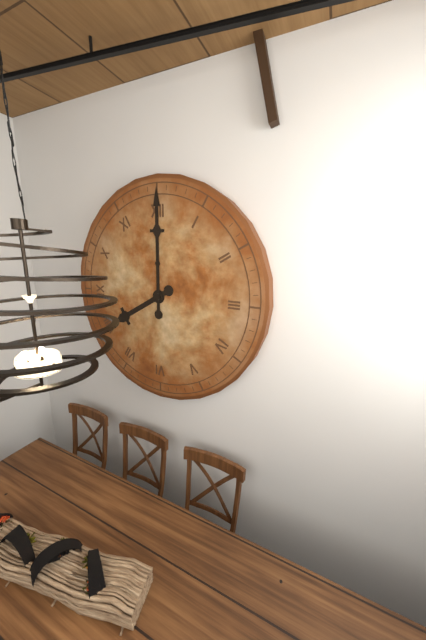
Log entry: 8 h 00 min
